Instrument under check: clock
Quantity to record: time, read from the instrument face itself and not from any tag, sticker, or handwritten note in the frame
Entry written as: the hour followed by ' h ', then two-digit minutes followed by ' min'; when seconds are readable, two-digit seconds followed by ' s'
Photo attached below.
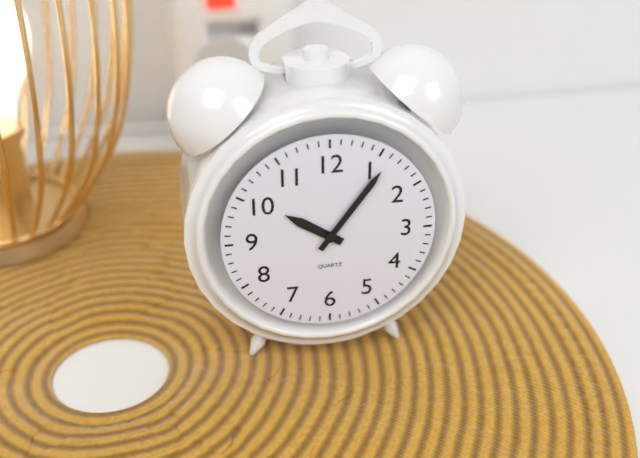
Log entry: 10 h 06 min
